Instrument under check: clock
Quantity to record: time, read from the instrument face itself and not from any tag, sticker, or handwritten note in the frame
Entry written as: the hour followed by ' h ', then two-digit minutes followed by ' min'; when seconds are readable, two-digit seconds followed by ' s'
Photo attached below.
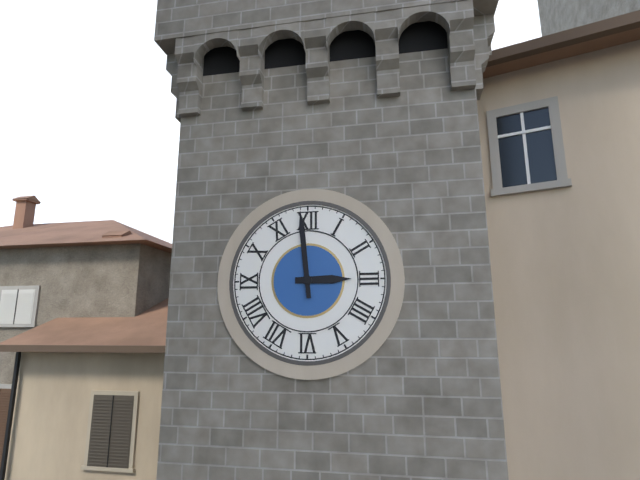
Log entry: 2 h 59 min
